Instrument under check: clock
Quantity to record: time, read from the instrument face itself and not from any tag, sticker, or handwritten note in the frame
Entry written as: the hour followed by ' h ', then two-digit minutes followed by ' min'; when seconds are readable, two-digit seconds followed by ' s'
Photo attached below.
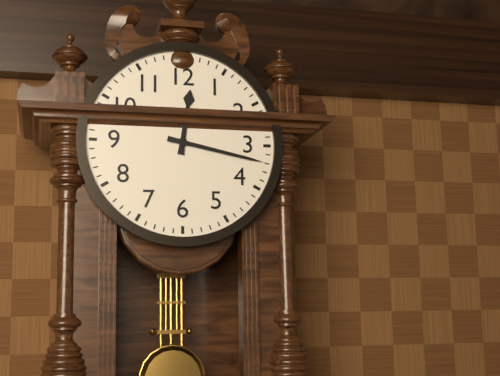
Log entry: 12 h 17 min
